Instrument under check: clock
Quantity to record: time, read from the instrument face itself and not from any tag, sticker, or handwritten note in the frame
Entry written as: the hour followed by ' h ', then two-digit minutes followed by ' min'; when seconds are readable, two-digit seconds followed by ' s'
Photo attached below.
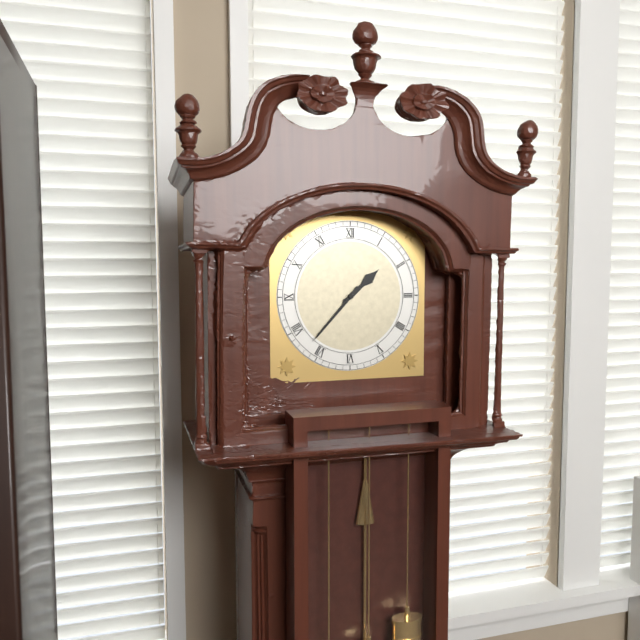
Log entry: 1 h 37 min
